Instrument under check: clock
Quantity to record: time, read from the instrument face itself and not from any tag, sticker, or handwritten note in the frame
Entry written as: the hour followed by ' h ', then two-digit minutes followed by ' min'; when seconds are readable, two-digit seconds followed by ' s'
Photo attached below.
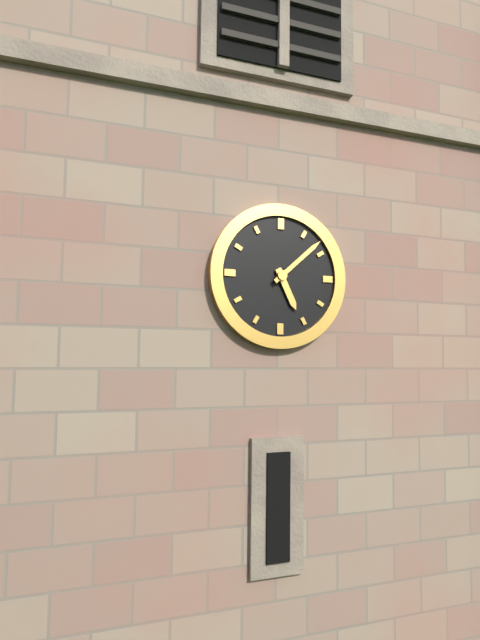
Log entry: 5 h 08 min
